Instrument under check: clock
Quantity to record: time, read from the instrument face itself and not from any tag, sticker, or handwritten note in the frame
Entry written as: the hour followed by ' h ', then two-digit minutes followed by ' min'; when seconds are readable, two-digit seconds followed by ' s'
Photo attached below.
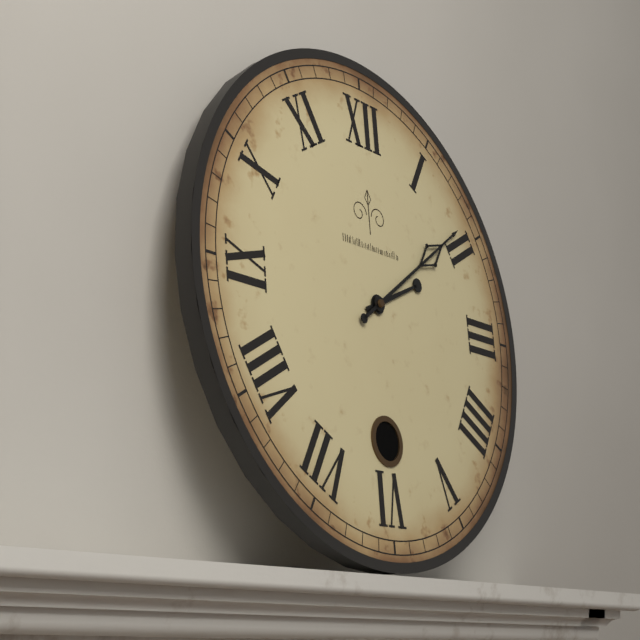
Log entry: 2 h 09 min
